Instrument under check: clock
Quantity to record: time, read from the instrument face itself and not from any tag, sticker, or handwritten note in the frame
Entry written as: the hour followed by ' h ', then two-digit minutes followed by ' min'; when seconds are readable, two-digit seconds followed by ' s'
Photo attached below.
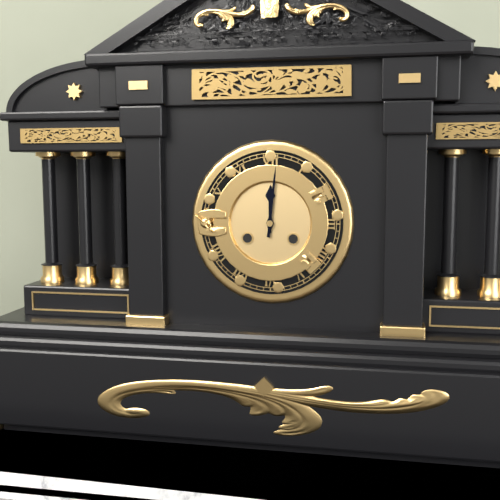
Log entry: 12 h 01 min
